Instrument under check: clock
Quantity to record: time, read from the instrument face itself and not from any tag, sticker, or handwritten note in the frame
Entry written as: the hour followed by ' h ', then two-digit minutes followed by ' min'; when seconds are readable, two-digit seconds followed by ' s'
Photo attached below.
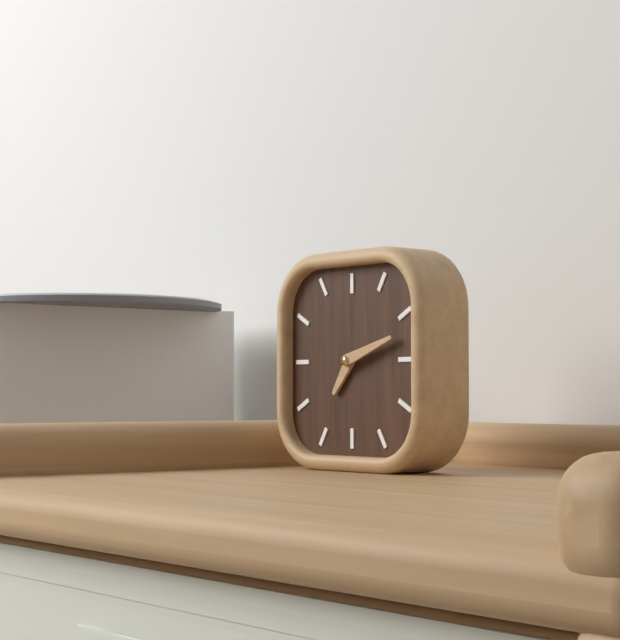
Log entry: 7 h 12 min
